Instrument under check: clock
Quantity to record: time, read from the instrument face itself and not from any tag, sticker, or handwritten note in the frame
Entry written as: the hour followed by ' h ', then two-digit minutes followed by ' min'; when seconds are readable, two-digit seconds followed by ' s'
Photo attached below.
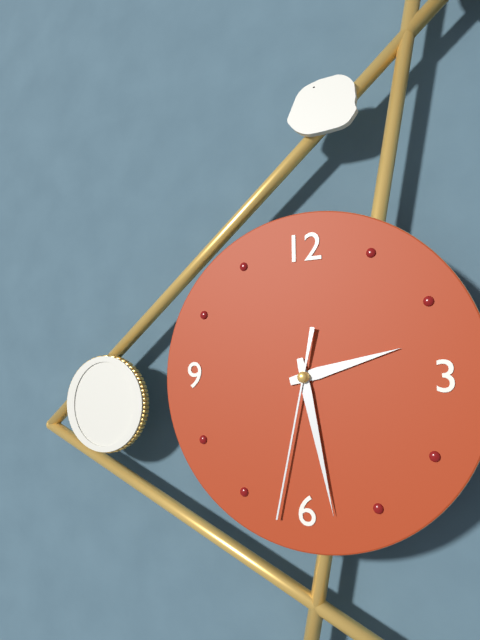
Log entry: 2 h 28 min 32 s
